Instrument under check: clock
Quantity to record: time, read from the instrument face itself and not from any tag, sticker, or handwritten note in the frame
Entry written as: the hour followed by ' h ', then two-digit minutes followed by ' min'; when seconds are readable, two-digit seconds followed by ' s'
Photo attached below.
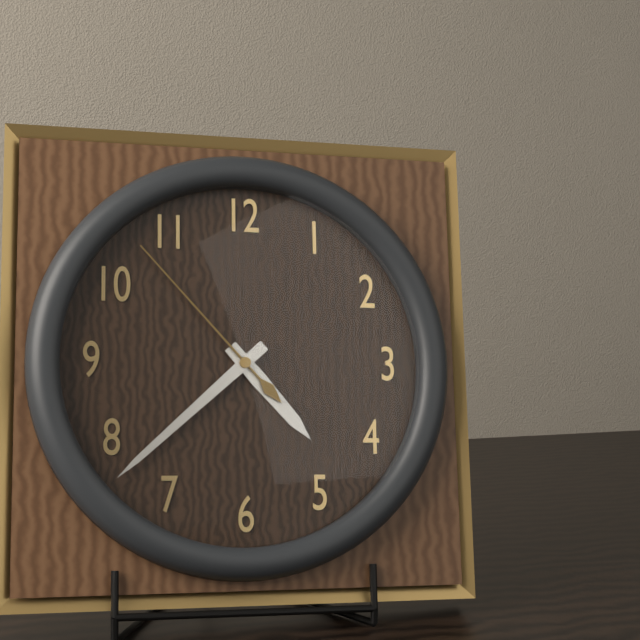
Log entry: 4 h 38 min 53 s
